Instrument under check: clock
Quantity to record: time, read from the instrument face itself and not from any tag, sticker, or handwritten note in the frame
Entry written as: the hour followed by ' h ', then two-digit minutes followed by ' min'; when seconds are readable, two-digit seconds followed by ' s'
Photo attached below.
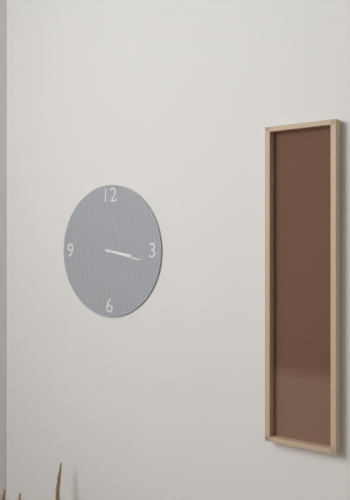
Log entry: 3 h 17 min
